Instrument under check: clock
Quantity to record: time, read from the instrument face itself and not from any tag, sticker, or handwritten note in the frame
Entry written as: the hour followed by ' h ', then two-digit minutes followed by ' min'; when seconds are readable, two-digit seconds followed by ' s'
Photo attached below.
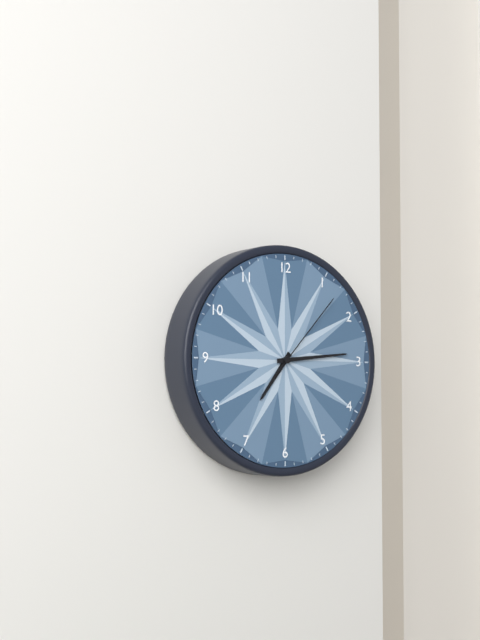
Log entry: 7 h 14 min 07 s
